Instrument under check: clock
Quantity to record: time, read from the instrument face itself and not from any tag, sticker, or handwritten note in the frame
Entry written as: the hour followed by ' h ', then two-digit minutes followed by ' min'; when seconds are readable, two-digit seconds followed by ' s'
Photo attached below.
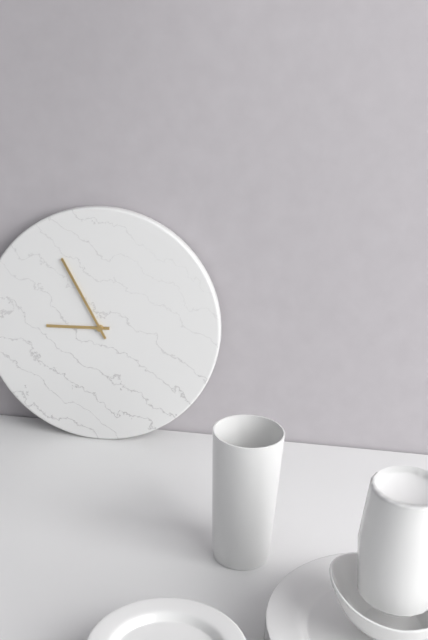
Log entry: 8 h 55 min
